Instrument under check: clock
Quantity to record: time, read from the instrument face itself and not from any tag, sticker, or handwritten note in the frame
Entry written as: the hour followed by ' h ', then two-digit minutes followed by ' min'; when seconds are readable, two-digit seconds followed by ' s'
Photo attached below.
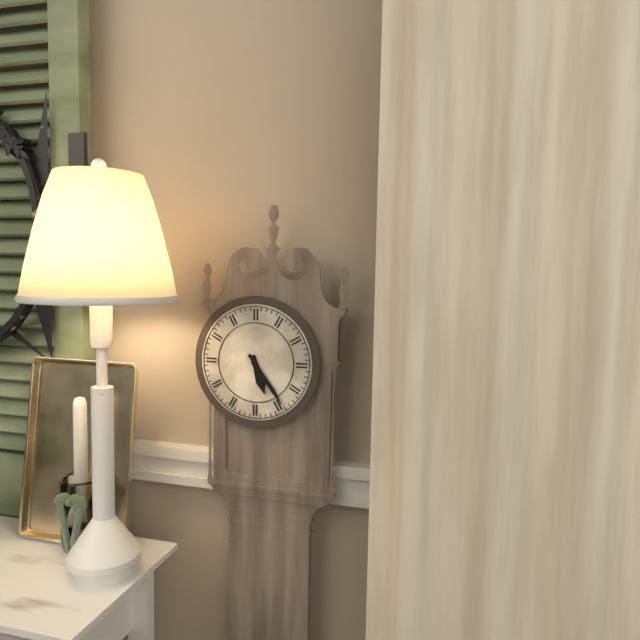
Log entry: 5 h 24 min
